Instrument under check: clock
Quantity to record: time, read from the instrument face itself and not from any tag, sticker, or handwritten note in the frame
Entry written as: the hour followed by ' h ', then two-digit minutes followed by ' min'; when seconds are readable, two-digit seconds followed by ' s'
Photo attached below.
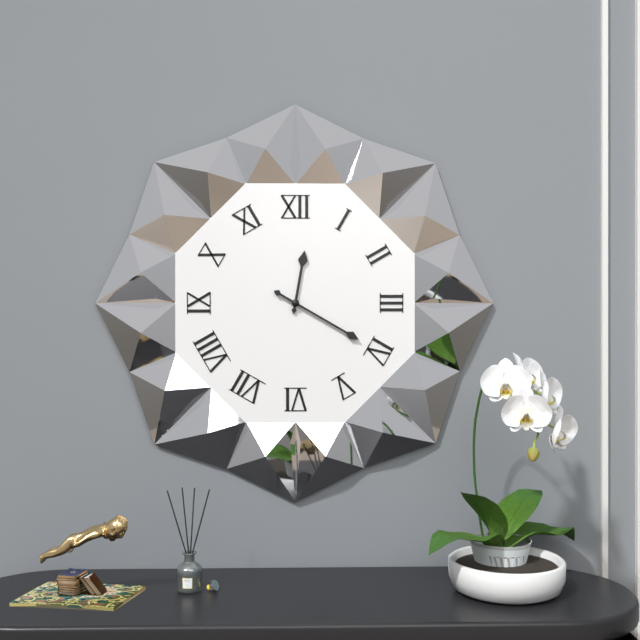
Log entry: 12 h 20 min
